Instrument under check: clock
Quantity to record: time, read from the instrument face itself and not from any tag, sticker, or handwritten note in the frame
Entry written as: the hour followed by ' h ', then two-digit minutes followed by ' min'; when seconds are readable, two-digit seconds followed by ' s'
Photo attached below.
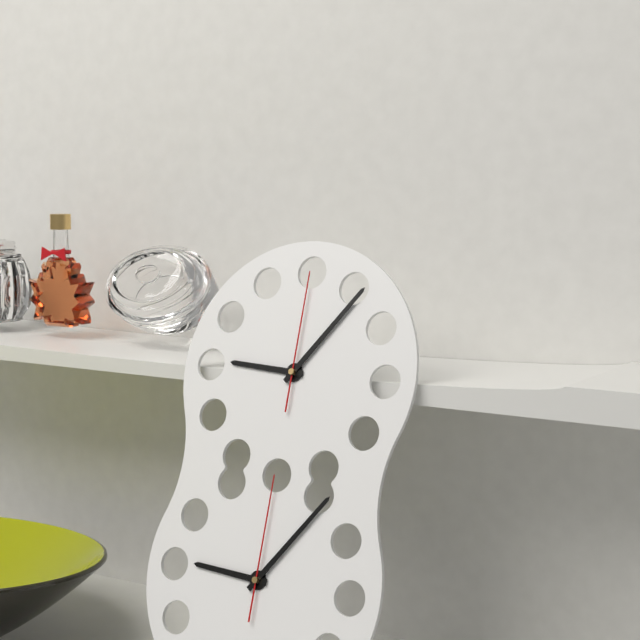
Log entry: 9 h 06 min 00 s
